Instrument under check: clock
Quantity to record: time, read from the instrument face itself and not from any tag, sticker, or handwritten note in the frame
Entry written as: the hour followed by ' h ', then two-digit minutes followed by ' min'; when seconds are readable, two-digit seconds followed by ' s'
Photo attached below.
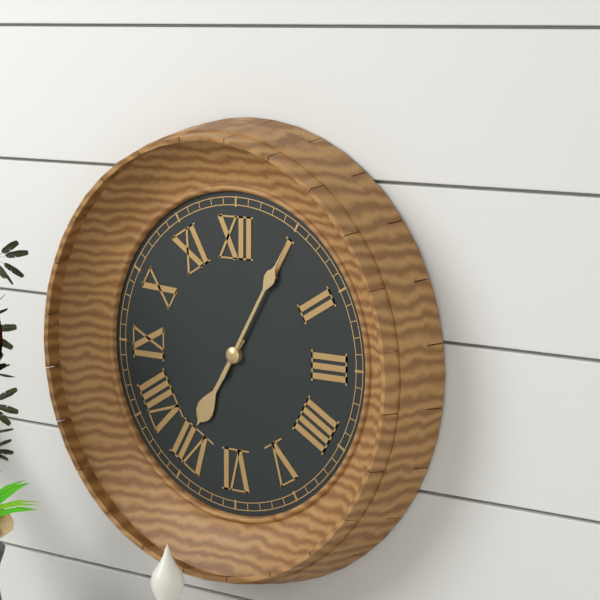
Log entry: 7 h 05 min
